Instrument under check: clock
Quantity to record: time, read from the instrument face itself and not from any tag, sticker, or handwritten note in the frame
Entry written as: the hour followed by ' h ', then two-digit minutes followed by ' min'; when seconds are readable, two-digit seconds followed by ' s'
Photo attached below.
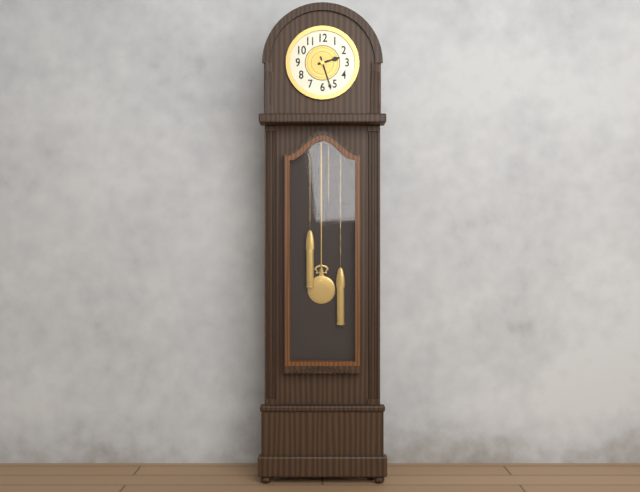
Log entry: 2 h 27 min
